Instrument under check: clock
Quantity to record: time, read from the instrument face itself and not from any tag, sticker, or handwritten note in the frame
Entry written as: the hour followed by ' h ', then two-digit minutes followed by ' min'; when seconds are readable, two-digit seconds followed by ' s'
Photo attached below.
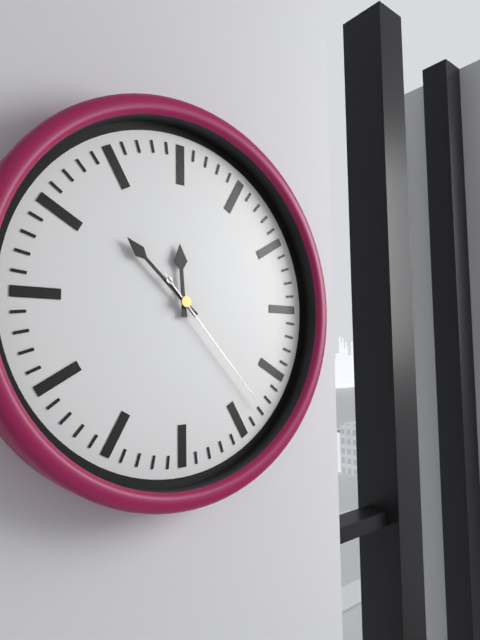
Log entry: 11 h 52 min 23 s
